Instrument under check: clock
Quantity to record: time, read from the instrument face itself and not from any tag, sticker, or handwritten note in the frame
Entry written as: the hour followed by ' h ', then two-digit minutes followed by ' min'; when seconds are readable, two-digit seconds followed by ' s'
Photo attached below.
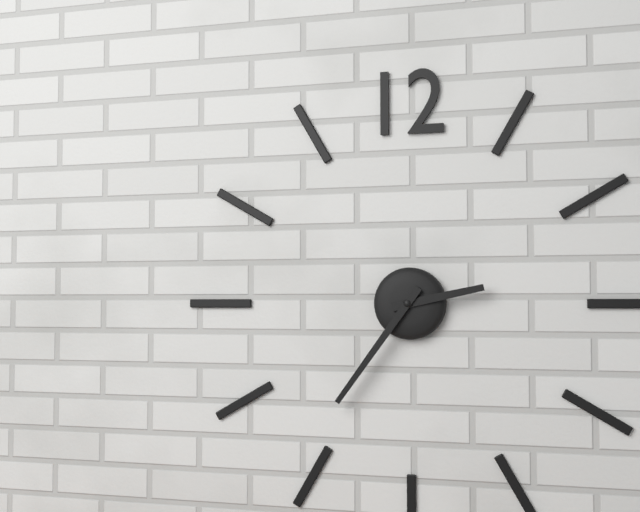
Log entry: 2 h 36 min
